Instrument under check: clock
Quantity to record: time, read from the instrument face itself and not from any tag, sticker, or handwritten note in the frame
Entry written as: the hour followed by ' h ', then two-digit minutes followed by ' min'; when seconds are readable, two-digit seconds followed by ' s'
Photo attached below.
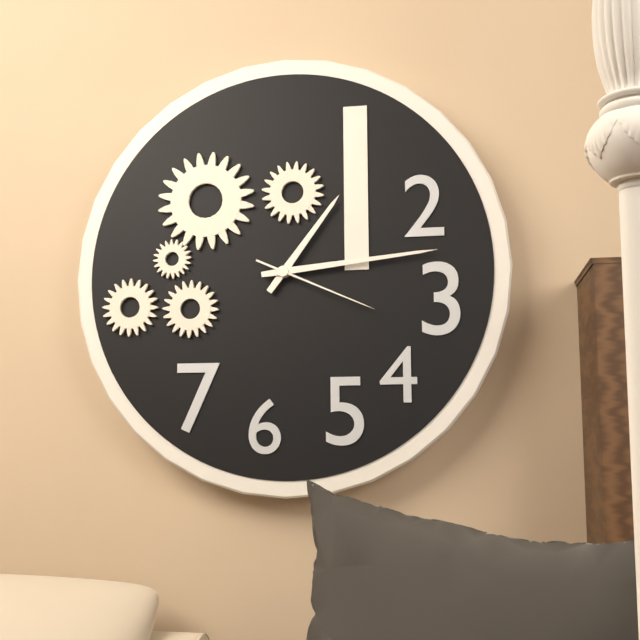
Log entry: 1 h 14 min 19 s
